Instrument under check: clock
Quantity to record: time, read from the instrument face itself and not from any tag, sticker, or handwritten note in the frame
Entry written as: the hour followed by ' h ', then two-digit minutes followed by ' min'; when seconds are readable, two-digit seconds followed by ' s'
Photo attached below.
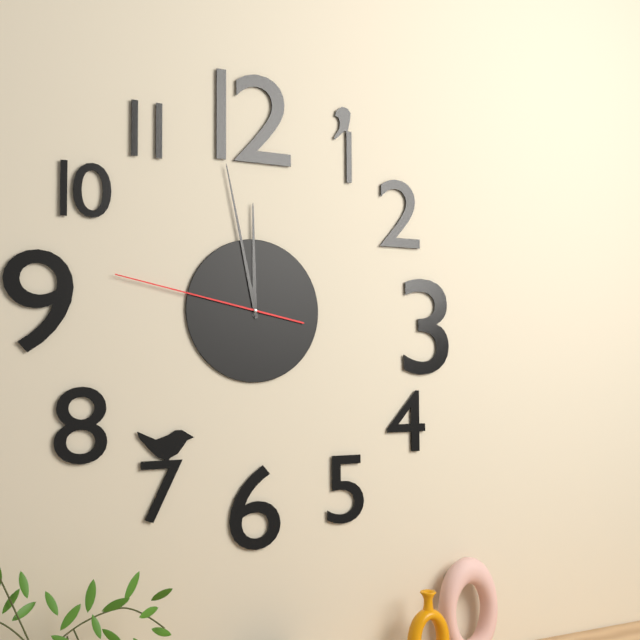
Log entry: 11 h 58 min 47 s
